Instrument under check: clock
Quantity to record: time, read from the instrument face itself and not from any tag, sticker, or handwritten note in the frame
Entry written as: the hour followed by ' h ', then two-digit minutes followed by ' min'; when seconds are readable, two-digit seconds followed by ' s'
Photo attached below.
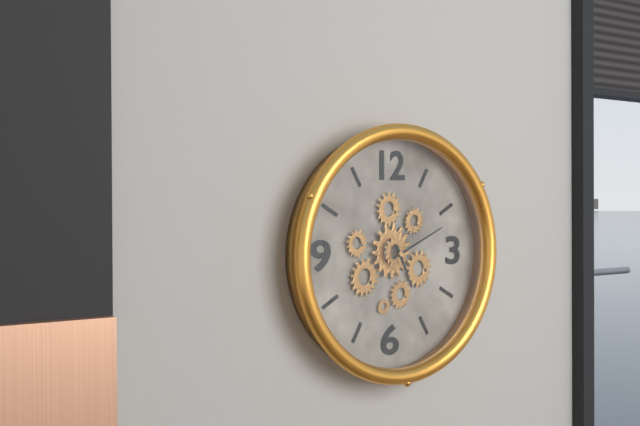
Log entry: 5 h 11 min
